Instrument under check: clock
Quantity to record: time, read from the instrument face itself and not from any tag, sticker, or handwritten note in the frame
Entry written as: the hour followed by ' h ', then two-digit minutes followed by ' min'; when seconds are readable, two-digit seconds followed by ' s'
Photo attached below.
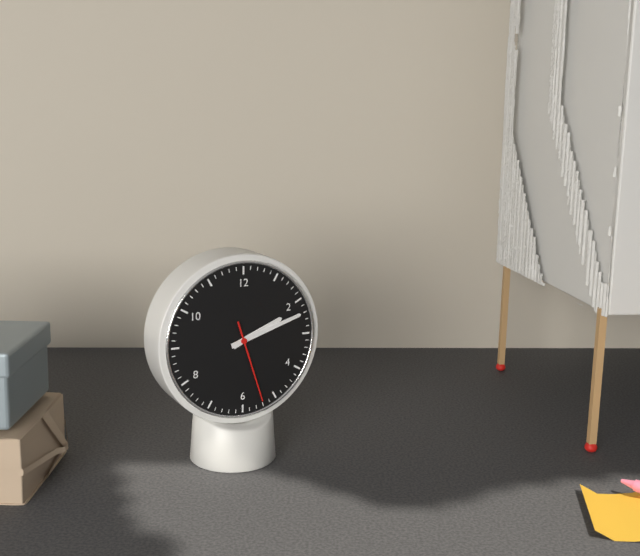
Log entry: 2 h 12 min 27 s
